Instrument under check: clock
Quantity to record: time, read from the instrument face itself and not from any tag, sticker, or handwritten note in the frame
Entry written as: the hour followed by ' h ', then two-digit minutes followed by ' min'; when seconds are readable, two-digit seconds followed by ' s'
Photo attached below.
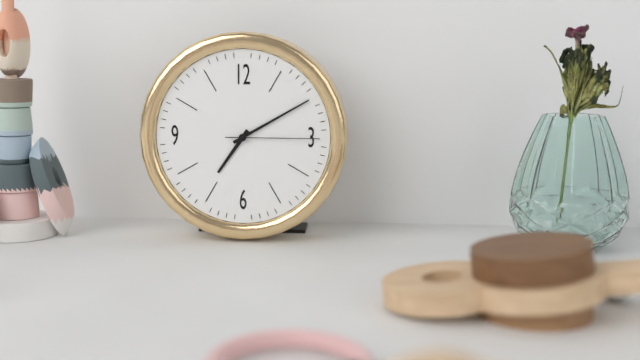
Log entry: 7 h 10 min 15 s
